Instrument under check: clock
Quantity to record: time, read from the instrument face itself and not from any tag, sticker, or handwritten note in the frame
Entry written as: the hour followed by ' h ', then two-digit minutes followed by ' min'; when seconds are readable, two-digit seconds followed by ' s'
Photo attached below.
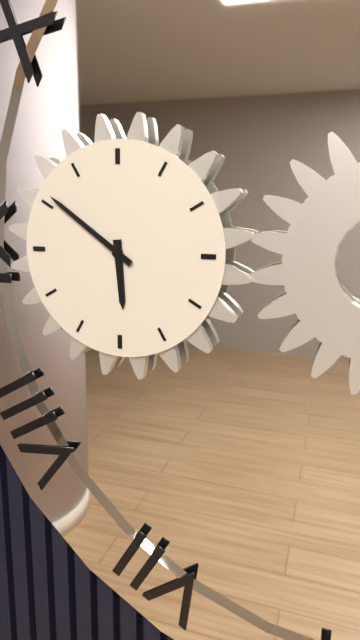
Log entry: 5 h 51 min
